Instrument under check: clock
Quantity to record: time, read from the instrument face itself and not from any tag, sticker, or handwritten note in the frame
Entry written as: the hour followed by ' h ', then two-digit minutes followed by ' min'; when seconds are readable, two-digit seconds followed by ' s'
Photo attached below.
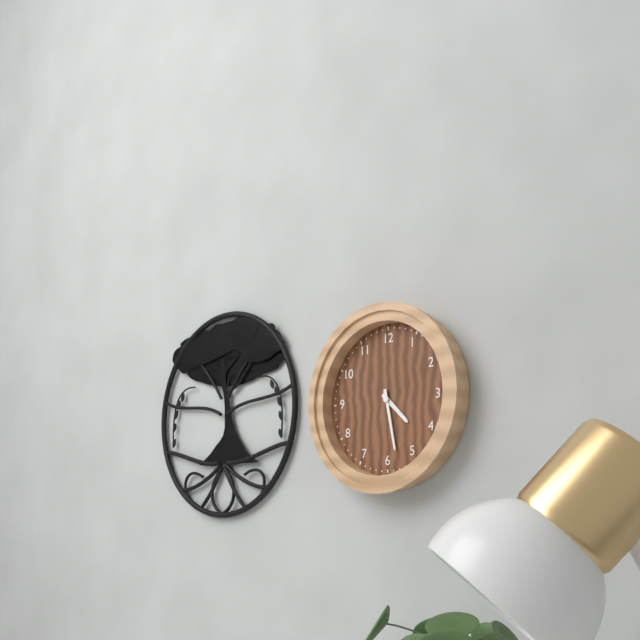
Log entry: 4 h 28 min
